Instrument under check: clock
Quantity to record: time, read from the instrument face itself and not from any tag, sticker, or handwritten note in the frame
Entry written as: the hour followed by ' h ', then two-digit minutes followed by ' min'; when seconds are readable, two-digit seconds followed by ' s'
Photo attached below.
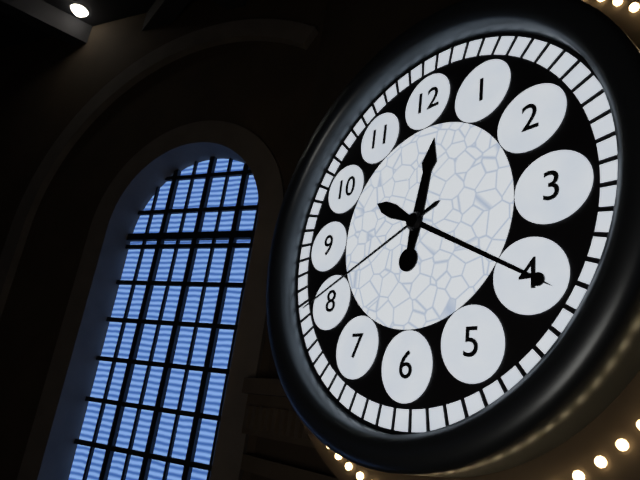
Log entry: 12 h 20 min 41 s
